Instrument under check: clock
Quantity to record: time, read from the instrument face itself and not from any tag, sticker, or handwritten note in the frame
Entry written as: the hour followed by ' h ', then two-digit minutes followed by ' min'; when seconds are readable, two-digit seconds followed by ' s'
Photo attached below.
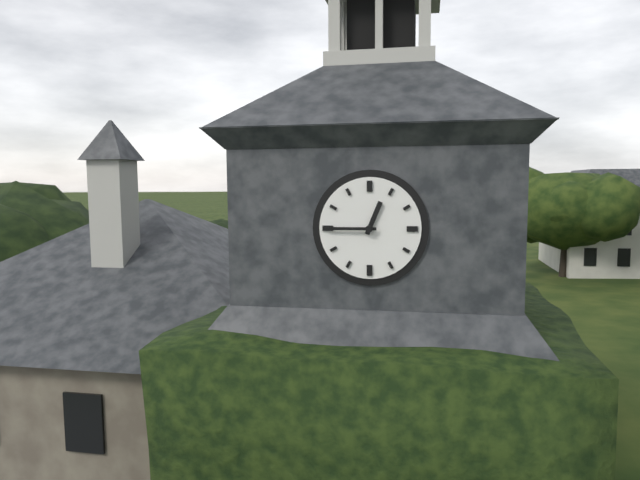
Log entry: 12 h 45 min
